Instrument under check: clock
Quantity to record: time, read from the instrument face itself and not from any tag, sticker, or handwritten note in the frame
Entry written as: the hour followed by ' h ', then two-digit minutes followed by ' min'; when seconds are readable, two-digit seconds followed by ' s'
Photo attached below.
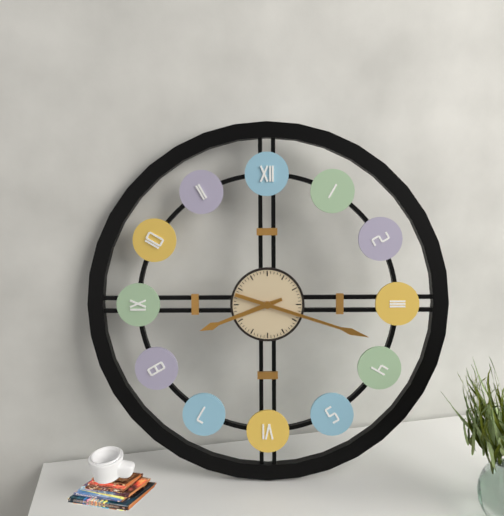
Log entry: 8 h 18 min
